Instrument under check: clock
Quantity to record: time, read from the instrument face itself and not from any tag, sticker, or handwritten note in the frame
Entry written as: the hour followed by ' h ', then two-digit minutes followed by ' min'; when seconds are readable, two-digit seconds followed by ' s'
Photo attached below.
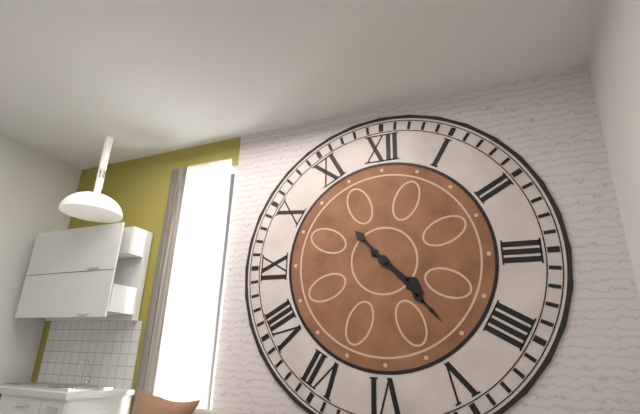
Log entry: 4 h 23 min
